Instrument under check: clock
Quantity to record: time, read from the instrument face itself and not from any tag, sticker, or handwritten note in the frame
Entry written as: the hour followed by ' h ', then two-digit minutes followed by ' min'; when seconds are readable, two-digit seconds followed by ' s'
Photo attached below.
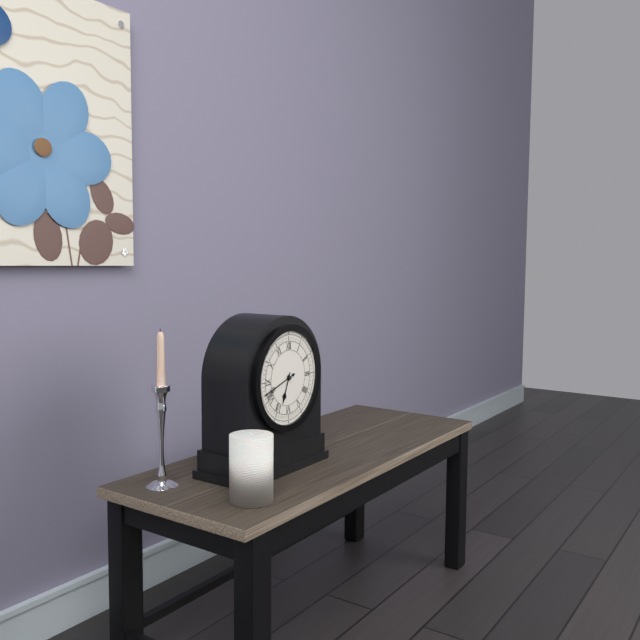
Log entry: 6 h 42 min
